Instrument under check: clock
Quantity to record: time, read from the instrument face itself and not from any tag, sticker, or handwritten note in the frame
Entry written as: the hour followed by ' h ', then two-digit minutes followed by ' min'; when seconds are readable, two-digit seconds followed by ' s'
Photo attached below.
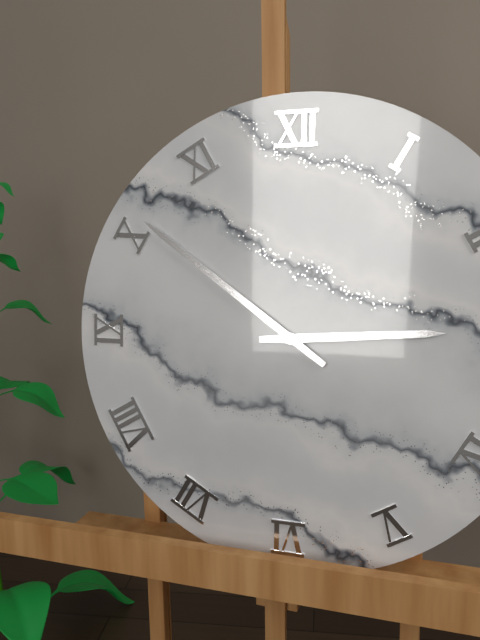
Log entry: 2 h 51 min
